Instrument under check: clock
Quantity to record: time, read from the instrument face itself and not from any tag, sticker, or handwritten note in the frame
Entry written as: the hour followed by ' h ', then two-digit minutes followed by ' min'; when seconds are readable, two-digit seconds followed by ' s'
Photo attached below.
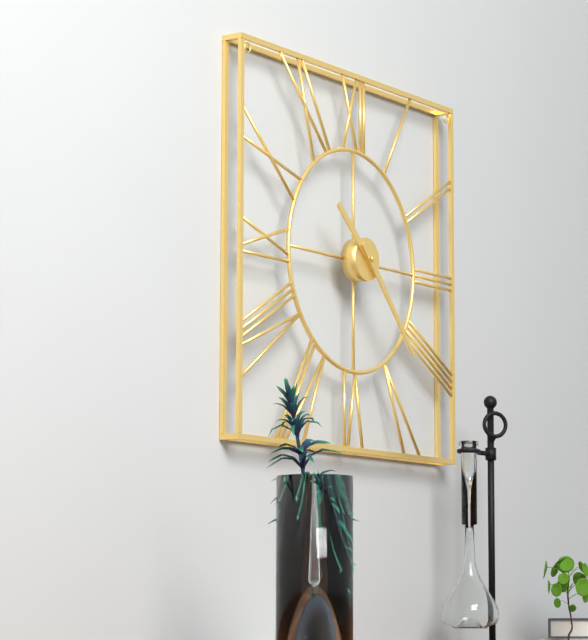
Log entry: 10 h 23 min
